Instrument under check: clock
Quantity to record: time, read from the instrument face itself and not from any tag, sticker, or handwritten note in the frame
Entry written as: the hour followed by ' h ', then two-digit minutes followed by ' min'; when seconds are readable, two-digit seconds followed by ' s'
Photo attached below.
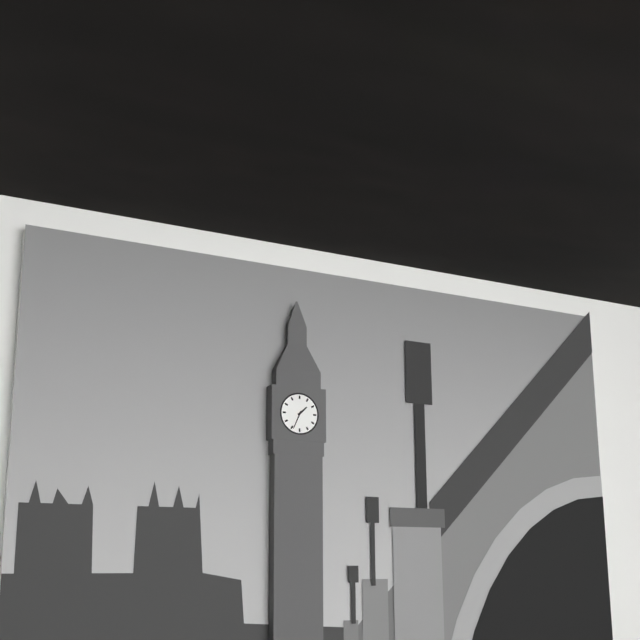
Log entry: 1 h 34 min
